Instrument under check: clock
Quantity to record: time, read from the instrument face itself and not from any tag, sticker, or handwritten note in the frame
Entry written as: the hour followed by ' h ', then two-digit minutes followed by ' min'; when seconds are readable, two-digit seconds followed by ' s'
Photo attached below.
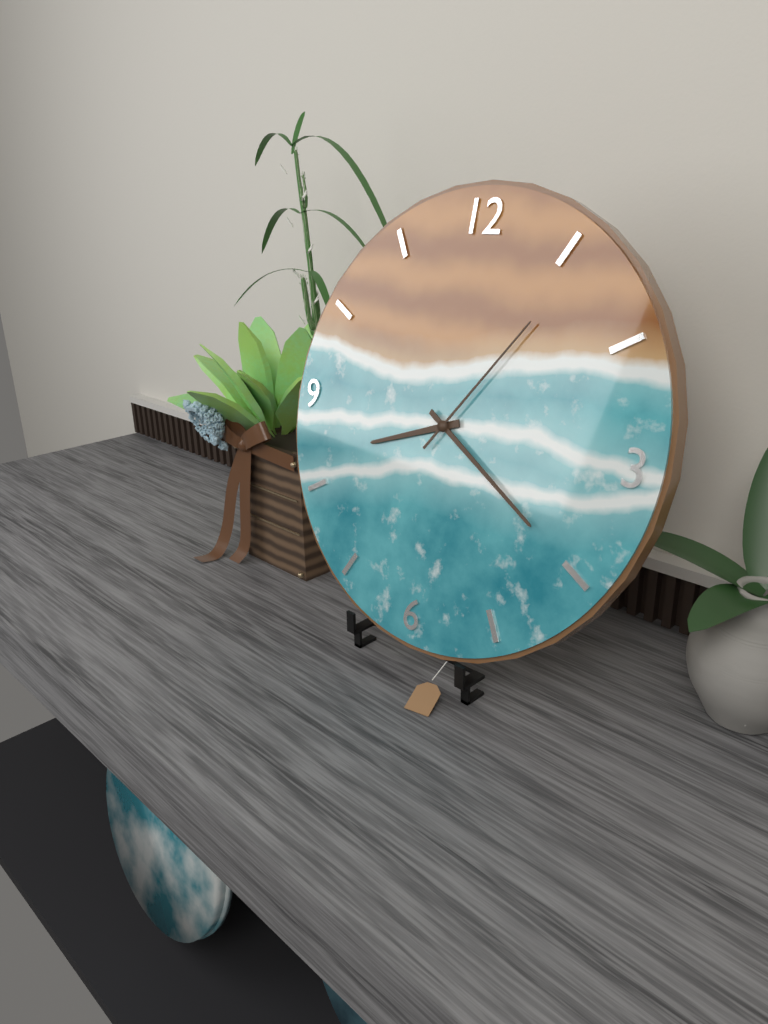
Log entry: 8 h 20 min 06 s
